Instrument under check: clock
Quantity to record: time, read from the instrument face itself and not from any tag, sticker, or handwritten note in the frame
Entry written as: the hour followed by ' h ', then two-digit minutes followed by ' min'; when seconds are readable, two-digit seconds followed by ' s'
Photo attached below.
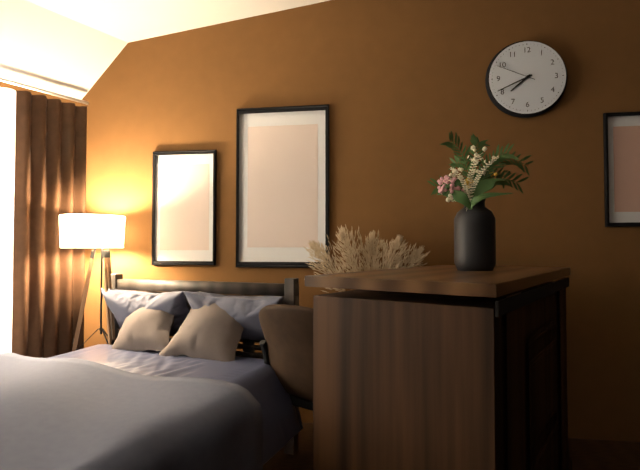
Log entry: 7 h 41 min
